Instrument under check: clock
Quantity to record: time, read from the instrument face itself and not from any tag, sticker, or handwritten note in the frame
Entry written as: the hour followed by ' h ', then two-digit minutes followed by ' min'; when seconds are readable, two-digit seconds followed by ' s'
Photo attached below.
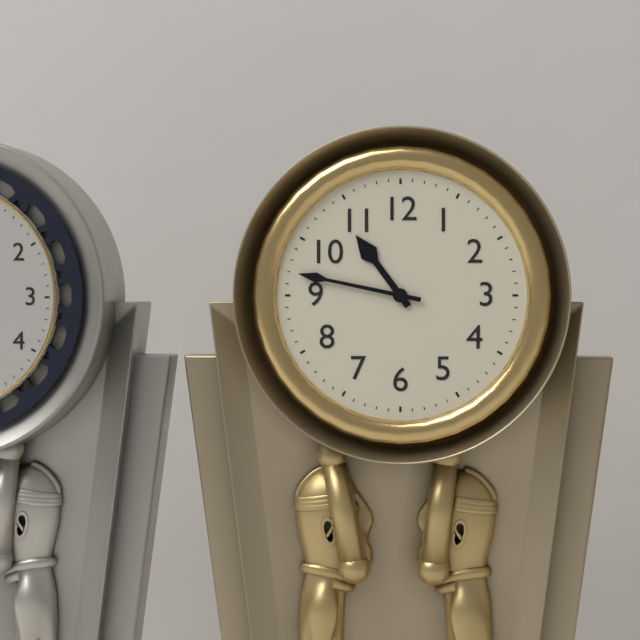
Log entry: 10 h 47 min
